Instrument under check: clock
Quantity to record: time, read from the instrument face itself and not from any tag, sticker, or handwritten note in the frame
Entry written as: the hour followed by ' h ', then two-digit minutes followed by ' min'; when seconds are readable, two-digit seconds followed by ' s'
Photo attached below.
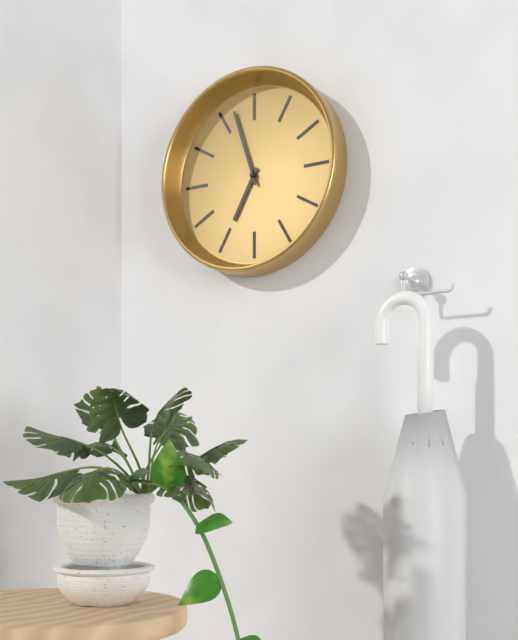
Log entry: 6 h 57 min
